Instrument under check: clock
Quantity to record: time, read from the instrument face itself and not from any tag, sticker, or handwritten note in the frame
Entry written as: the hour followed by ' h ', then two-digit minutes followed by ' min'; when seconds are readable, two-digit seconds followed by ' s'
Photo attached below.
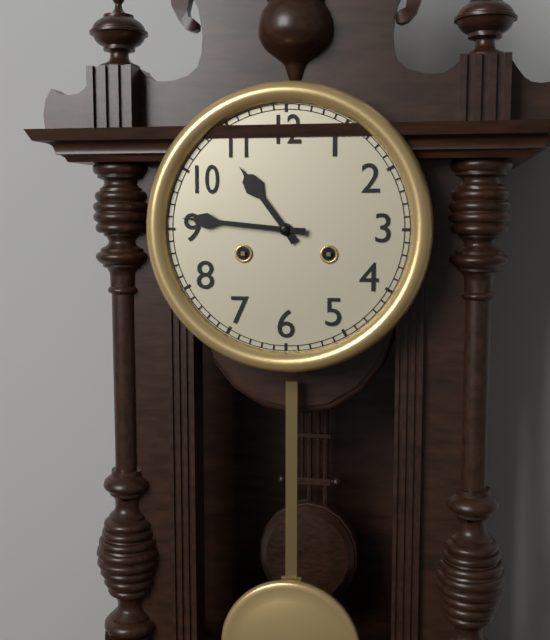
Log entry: 10 h 46 min
